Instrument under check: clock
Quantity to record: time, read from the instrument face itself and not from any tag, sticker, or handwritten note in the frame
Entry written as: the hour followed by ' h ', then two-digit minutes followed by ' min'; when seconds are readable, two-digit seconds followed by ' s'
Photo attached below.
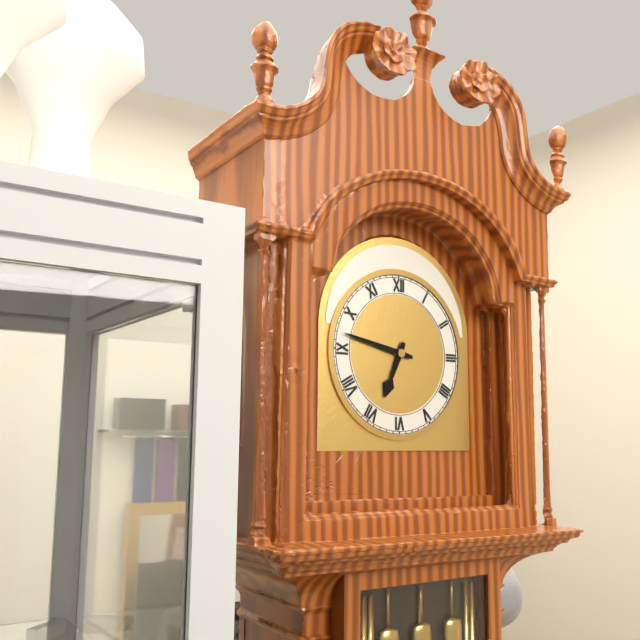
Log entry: 6 h 47 min
